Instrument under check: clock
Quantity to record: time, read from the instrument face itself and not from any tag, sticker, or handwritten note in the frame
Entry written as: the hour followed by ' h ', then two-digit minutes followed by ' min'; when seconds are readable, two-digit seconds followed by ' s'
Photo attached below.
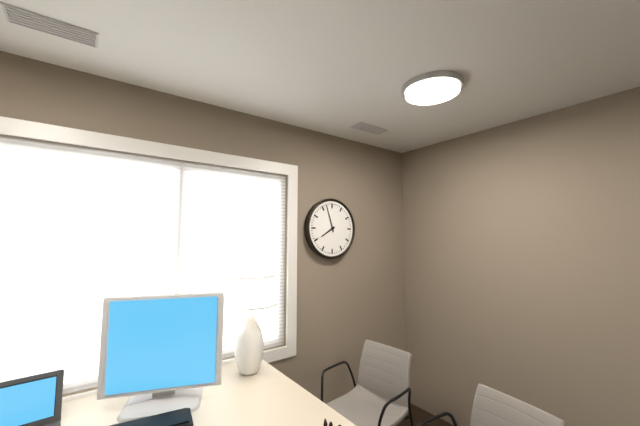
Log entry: 7 h 57 min
